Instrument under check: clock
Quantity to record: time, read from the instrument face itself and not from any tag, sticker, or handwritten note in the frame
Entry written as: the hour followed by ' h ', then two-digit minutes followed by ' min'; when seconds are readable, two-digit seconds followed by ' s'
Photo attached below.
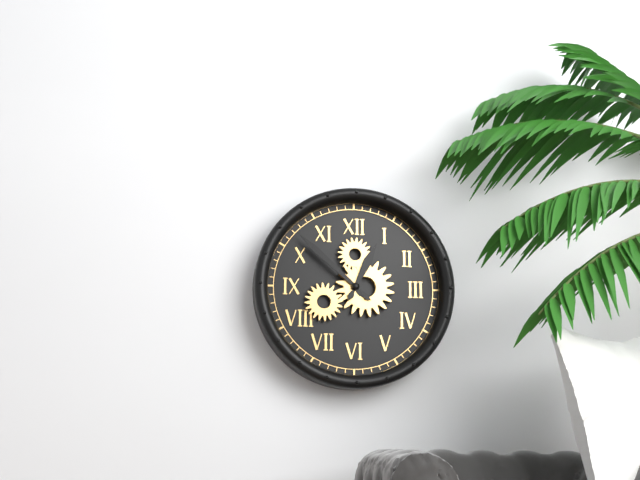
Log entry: 12 h 52 min
